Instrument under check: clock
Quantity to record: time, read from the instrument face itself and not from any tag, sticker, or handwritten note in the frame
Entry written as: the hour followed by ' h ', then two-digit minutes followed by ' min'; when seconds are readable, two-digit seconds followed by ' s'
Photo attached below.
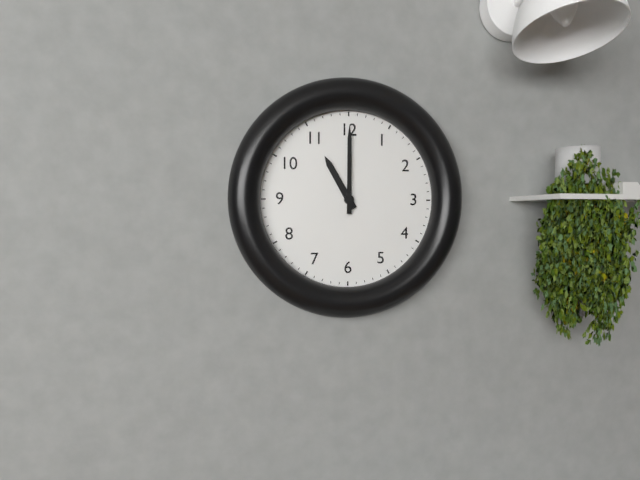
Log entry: 11 h 00 min
